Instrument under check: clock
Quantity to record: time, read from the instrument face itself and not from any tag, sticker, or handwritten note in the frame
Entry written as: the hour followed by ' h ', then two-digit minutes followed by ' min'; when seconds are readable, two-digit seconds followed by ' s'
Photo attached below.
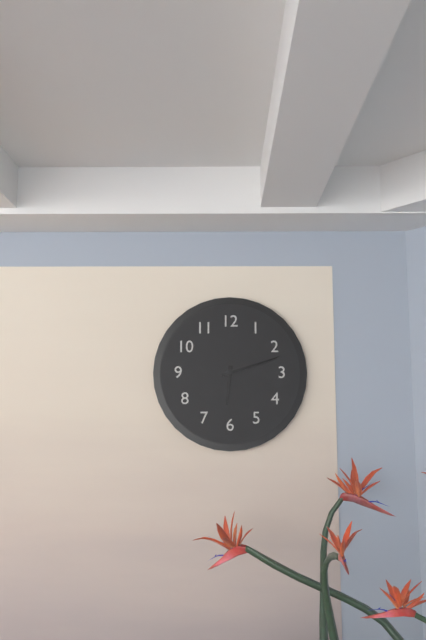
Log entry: 6 h 12 min
